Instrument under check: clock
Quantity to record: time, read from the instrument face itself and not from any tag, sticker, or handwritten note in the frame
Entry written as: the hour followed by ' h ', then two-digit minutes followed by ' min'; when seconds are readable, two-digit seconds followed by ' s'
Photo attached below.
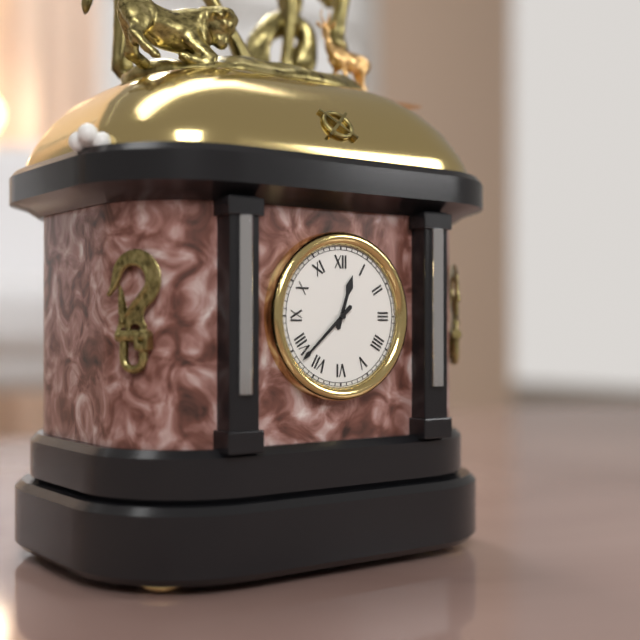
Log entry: 12 h 38 min
